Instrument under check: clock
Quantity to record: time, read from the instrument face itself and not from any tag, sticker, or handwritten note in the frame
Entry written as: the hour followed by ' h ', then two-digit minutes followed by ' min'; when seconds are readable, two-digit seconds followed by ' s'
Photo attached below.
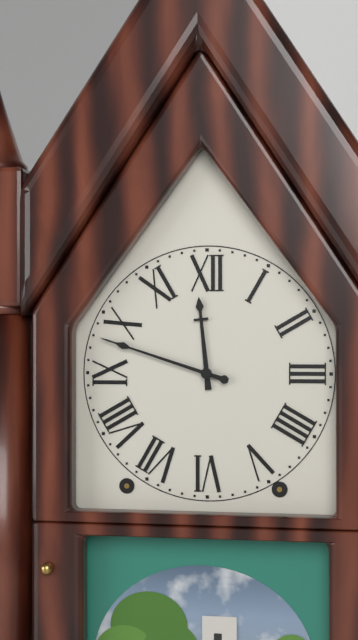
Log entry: 11 h 48 min
